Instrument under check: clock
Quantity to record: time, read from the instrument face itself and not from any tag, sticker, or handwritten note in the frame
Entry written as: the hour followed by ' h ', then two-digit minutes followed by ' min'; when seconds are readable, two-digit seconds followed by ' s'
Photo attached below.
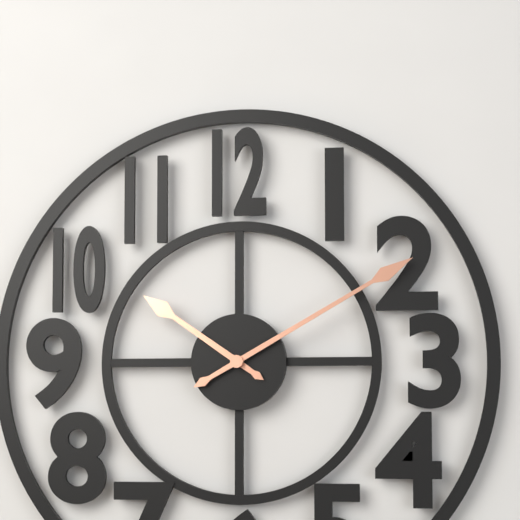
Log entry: 10 h 10 min
